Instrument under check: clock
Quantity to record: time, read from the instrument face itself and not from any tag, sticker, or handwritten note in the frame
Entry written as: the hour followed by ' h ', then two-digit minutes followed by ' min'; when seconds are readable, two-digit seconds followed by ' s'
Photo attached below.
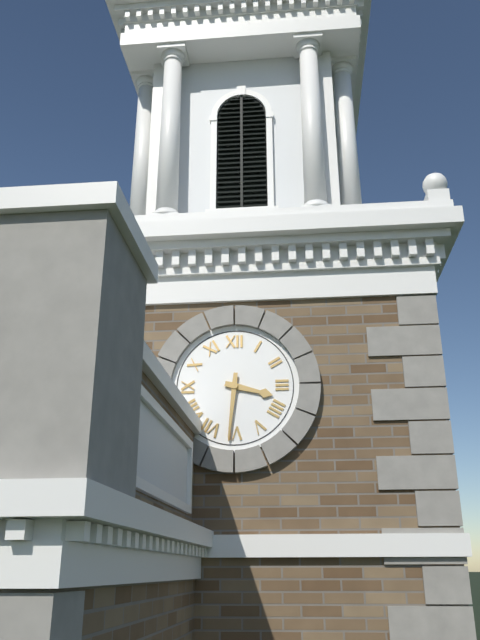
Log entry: 3 h 31 min
